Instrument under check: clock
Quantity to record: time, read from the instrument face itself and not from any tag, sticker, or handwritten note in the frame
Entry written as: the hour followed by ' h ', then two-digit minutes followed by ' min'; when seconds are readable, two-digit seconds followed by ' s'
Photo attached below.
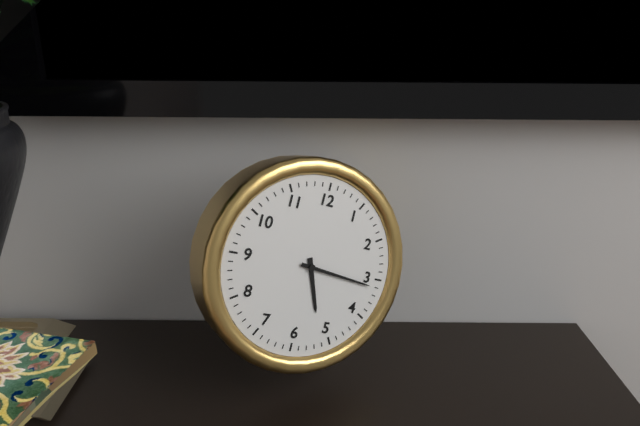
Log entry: 5 h 16 min
